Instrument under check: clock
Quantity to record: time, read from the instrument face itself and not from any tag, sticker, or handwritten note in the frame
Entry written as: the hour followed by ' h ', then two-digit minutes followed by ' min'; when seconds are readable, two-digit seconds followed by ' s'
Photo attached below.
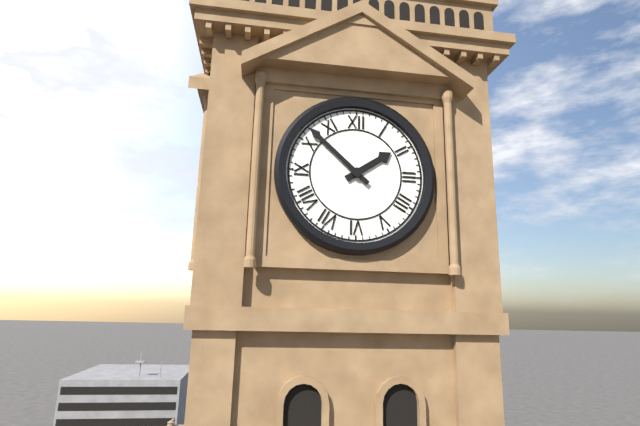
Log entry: 1 h 52 min
